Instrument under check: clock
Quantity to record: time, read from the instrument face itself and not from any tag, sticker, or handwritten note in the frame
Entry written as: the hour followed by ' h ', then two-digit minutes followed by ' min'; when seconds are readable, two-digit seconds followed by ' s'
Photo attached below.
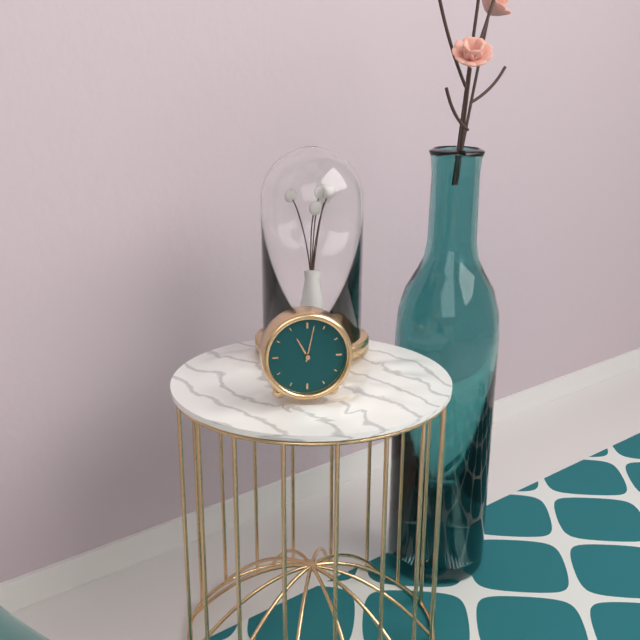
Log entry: 11 h 02 min
